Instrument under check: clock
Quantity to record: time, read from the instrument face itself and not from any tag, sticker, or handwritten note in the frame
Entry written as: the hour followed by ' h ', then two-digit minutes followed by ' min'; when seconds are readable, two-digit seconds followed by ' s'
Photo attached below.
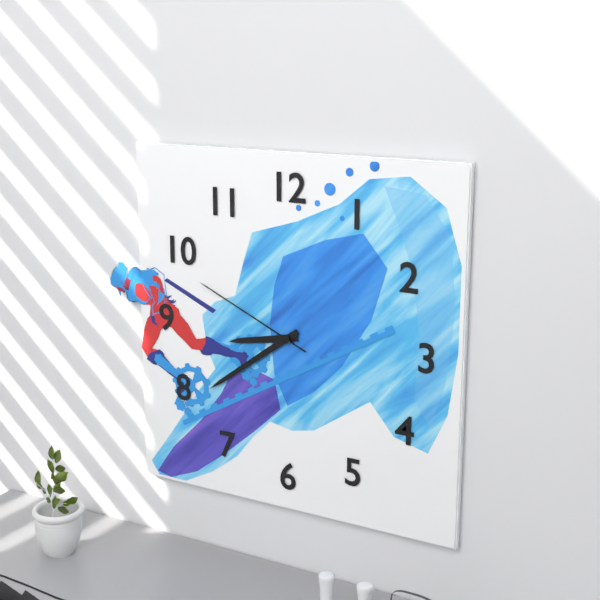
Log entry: 8 h 39 min 49 s
